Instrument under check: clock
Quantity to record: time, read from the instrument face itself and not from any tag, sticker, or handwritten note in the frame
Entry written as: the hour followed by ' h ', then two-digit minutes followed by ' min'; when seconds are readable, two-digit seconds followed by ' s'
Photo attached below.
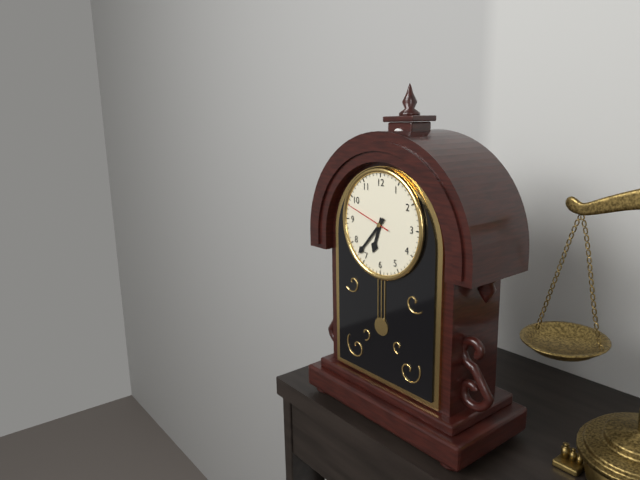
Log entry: 6 h 37 min
